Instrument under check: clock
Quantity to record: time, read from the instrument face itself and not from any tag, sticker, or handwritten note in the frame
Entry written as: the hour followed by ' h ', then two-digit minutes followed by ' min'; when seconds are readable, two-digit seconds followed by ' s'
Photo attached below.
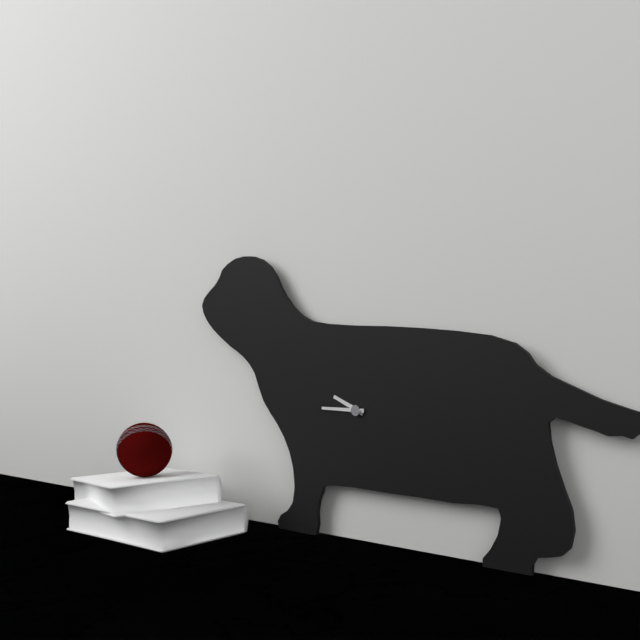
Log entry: 9 h 45 min
